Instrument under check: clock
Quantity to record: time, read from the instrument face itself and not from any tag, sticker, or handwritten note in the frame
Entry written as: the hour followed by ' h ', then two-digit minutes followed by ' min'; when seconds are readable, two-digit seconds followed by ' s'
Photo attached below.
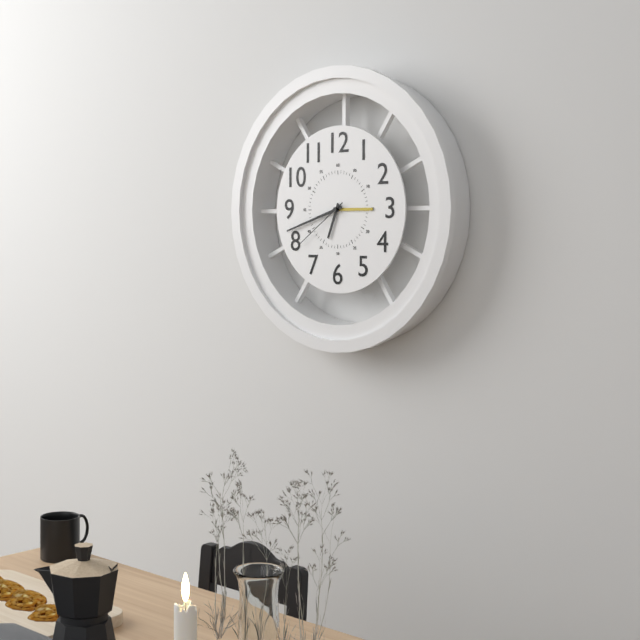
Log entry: 6 h 42 min 39 s
